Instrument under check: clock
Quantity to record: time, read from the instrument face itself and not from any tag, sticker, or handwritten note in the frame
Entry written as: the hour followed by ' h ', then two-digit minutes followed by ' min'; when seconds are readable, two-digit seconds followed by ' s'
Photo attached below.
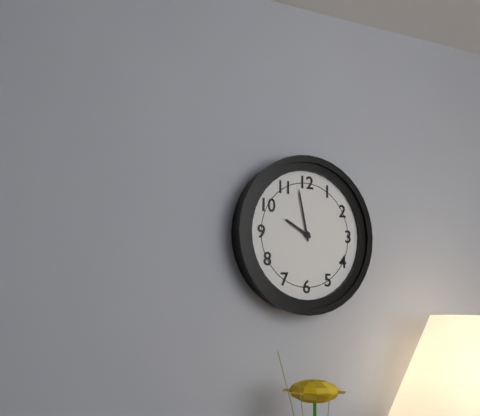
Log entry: 9 h 58 min
